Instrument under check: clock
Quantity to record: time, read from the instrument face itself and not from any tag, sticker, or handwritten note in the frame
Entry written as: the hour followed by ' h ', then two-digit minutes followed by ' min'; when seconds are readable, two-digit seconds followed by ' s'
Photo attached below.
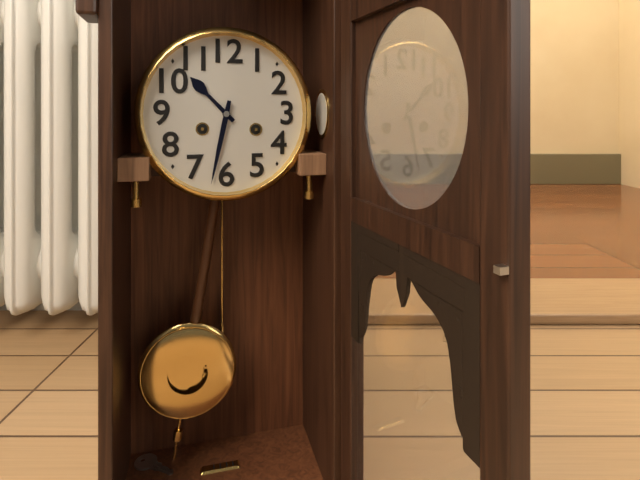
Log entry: 10 h 32 min
